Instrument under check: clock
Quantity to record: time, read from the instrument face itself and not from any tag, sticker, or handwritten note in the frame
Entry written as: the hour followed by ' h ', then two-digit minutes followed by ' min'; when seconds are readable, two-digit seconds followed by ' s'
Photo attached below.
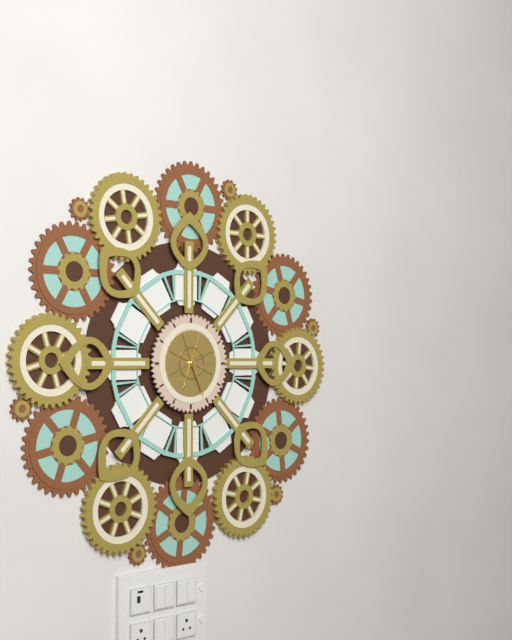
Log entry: 1 h 26 min
